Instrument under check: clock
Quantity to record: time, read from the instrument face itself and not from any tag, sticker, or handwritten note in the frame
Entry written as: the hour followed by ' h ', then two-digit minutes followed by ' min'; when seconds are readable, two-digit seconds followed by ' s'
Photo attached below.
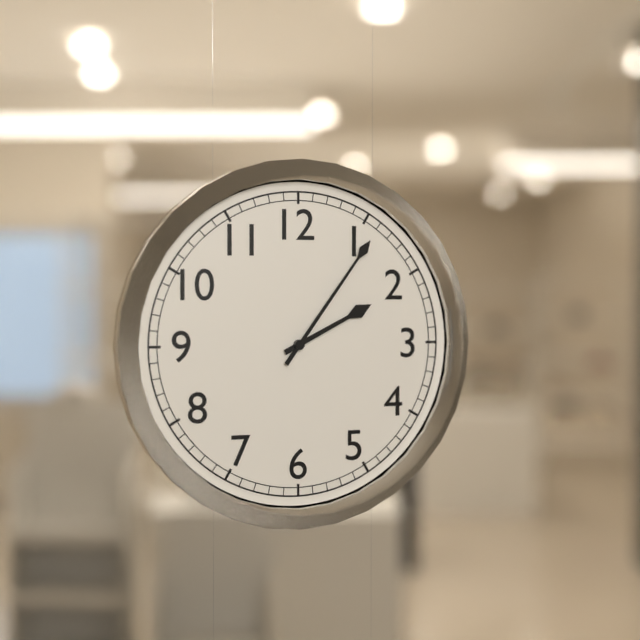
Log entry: 2 h 06 min
